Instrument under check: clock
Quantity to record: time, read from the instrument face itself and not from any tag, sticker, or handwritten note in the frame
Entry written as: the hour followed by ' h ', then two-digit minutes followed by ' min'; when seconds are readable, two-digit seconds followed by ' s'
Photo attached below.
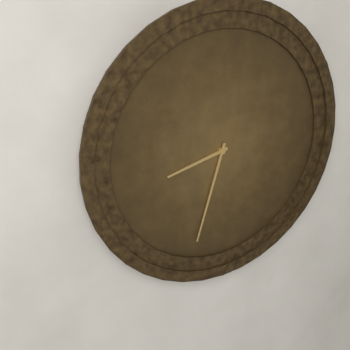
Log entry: 8 h 33 min
